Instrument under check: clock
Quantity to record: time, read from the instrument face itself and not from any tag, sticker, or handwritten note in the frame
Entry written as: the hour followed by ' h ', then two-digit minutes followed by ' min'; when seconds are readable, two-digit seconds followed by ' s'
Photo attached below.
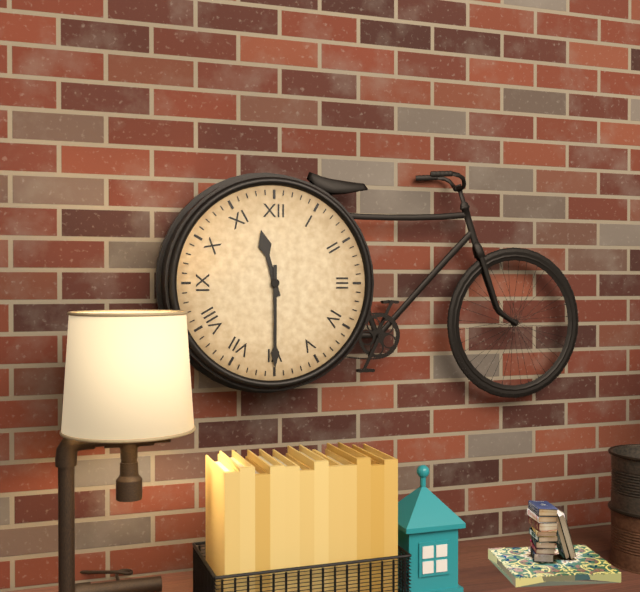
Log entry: 11 h 30 min
